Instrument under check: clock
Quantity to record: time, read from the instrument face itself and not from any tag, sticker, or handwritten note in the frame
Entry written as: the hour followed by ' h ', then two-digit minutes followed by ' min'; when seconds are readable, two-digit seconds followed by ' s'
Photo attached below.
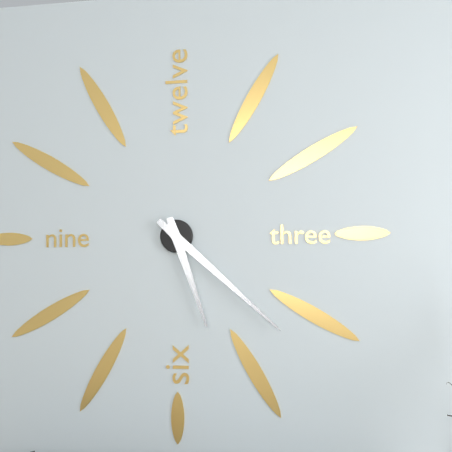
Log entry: 5 h 22 min
